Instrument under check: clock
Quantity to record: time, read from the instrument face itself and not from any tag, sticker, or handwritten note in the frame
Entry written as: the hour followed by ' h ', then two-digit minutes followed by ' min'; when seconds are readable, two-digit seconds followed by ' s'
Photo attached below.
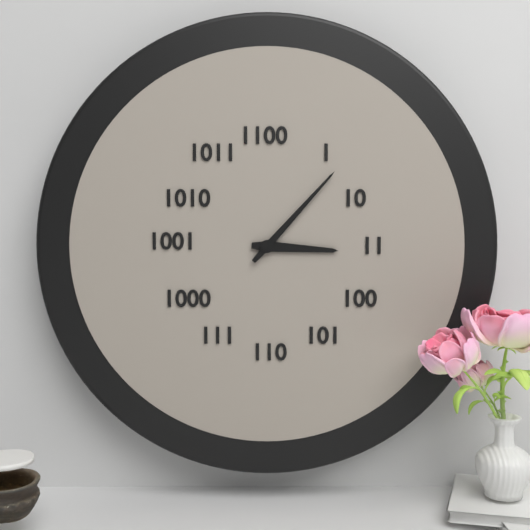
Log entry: 3 h 07 min
